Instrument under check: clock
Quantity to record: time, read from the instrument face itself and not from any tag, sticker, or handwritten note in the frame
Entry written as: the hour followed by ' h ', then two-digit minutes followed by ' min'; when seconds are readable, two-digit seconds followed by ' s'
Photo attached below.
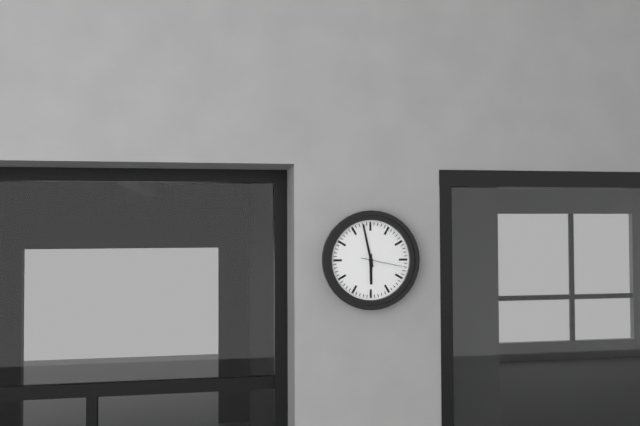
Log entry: 5 h 58 min
